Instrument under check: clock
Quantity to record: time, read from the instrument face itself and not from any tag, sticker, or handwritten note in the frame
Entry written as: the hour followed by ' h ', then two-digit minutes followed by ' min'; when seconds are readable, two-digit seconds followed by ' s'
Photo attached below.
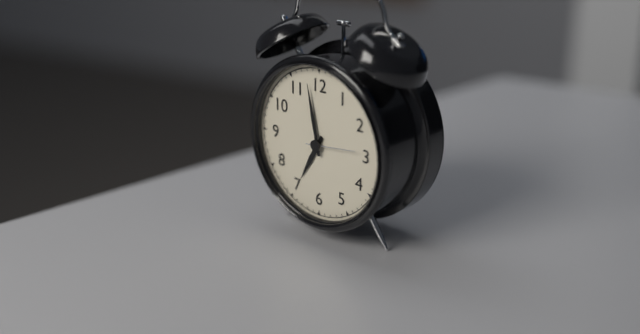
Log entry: 6 h 58 min 14 s
